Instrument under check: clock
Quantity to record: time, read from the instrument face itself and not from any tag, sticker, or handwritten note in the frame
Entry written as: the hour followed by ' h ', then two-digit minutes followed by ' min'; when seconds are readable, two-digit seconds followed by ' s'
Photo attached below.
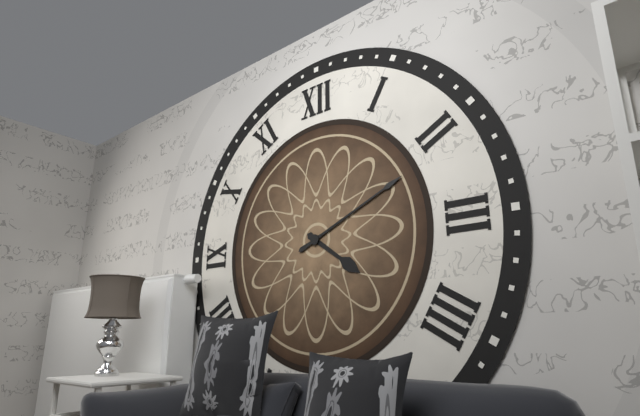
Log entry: 4 h 11 min
